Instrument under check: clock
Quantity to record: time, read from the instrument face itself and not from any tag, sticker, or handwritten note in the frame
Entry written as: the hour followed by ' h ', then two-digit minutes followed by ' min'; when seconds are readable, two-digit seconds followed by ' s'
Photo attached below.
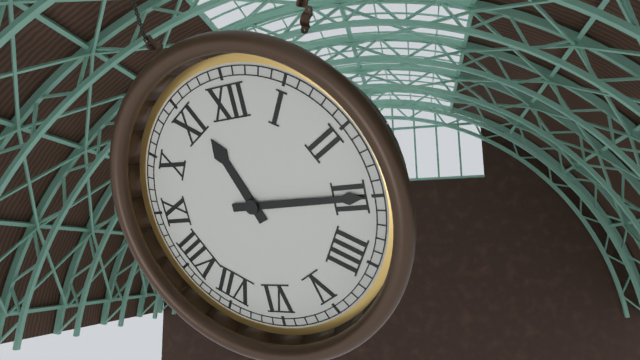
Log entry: 11 h 15 min
